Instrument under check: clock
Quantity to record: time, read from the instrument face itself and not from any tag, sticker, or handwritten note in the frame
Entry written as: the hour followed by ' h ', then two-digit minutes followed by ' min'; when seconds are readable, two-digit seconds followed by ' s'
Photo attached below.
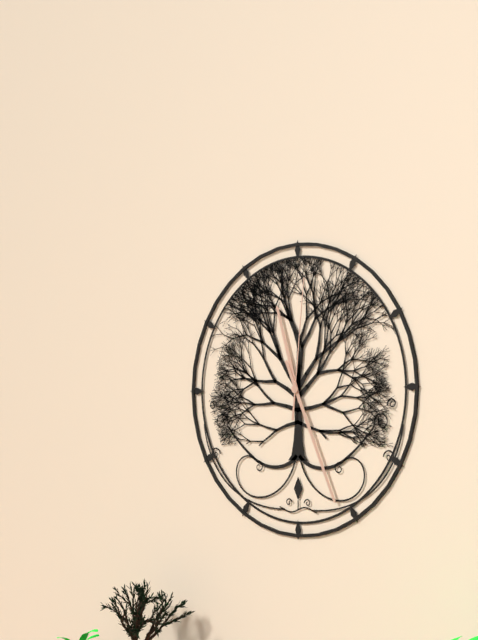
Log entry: 11 h 26 min 01 s
